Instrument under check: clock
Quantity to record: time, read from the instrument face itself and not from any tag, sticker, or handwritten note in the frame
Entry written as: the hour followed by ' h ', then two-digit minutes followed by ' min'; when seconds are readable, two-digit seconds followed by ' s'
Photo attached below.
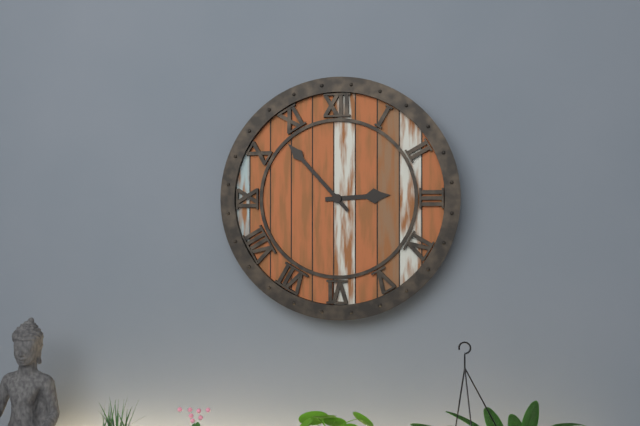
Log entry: 2 h 53 min
